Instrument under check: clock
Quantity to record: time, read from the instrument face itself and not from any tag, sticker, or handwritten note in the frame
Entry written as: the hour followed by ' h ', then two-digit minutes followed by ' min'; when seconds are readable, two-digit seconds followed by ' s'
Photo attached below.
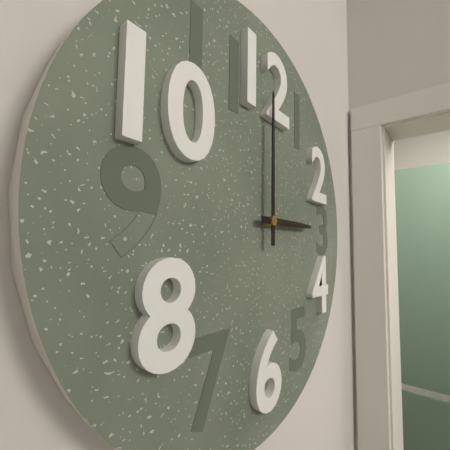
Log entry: 3 h 00 min
